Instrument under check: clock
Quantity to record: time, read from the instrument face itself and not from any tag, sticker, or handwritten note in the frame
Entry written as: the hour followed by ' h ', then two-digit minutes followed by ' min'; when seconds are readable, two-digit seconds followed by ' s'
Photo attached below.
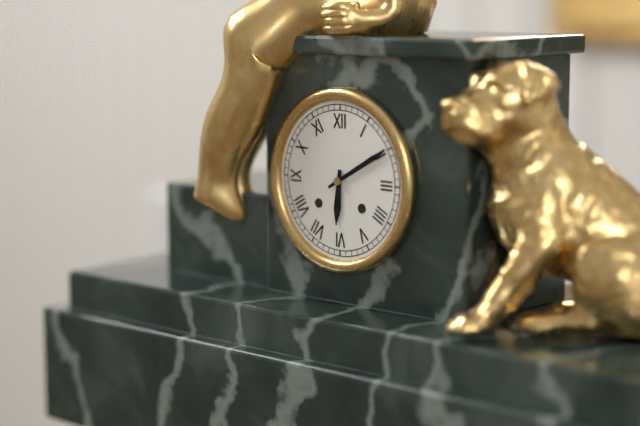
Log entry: 6 h 10 min
